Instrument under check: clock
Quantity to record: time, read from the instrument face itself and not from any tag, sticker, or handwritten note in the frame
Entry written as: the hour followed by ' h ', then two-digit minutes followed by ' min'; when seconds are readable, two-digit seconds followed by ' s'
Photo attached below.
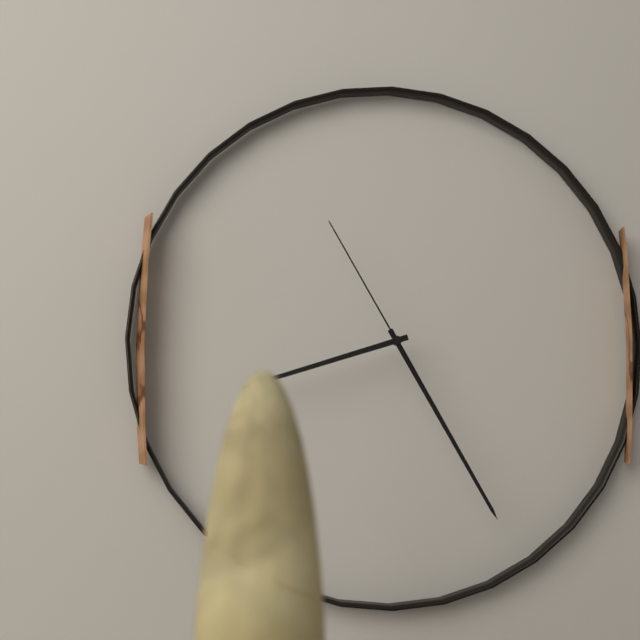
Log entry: 8 h 25 min 55 s
